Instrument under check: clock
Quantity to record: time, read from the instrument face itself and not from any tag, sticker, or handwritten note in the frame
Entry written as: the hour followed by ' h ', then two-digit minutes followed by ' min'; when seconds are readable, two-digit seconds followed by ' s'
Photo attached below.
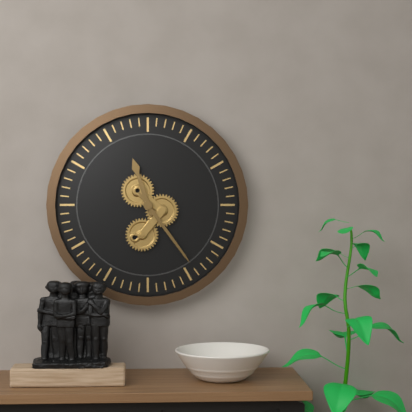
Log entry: 11 h 24 min
